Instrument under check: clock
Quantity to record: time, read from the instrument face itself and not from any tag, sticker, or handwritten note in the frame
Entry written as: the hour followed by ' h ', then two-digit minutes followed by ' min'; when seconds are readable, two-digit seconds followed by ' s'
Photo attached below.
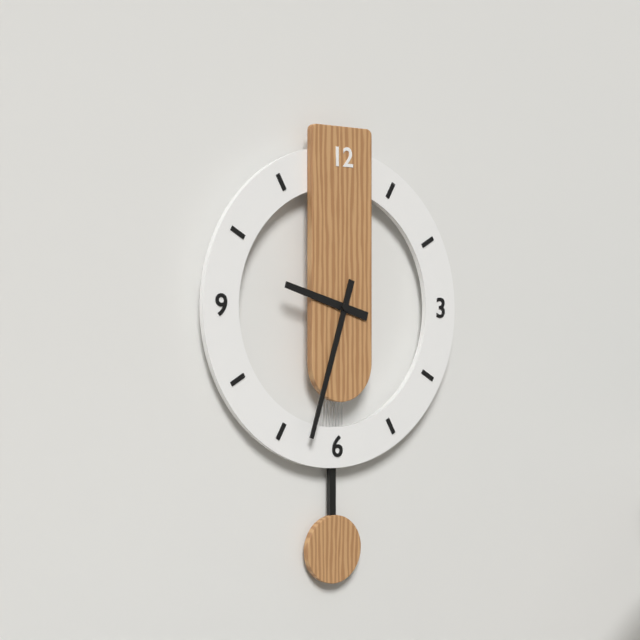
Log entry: 9 h 33 min
